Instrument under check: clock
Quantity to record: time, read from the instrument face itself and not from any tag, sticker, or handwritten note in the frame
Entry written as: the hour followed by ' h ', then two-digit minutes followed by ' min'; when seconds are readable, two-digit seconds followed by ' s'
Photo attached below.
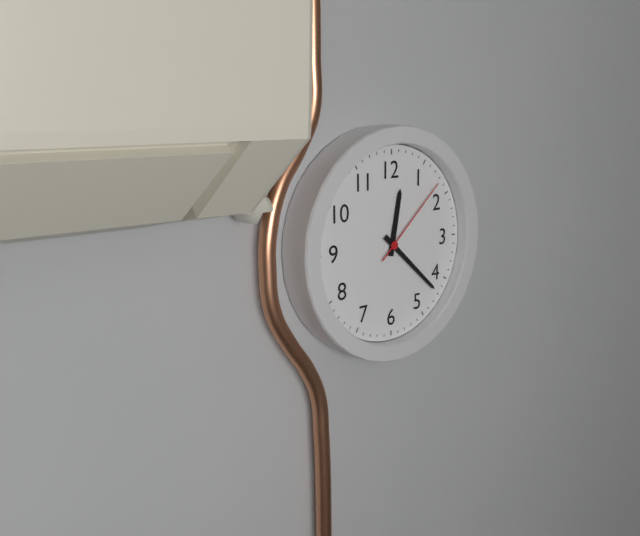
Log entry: 12 h 22 min 08 s
